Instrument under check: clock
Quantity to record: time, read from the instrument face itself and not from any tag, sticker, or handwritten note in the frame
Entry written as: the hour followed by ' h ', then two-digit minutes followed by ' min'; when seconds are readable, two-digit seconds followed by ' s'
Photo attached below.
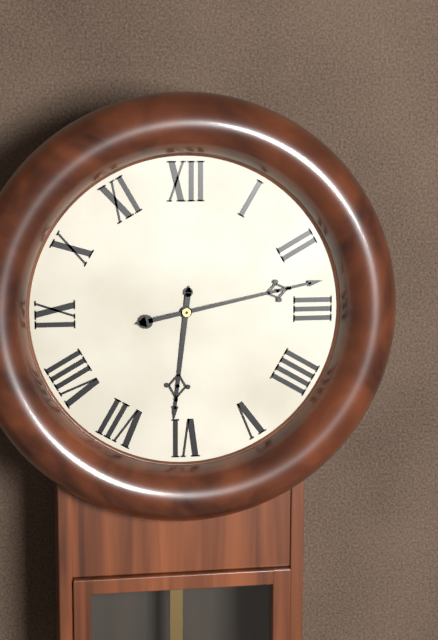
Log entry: 6 h 13 min
